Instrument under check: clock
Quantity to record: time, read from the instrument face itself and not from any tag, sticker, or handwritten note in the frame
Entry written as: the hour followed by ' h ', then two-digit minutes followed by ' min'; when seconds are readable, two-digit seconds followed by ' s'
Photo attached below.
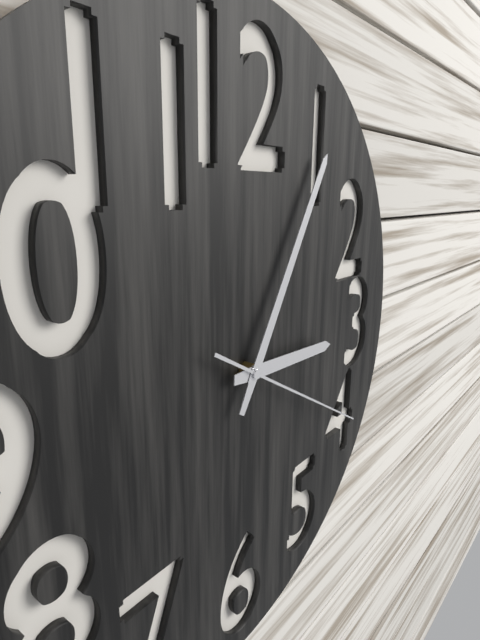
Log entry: 3 h 05 min 20 s
